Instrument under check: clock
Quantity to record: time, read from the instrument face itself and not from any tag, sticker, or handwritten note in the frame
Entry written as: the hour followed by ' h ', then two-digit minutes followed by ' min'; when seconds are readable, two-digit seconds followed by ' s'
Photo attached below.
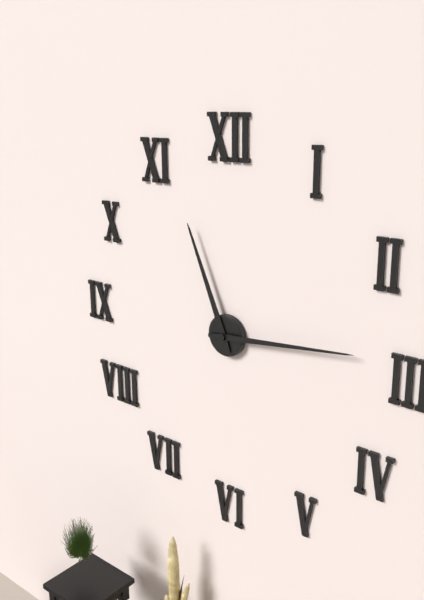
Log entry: 11 h 14 min
